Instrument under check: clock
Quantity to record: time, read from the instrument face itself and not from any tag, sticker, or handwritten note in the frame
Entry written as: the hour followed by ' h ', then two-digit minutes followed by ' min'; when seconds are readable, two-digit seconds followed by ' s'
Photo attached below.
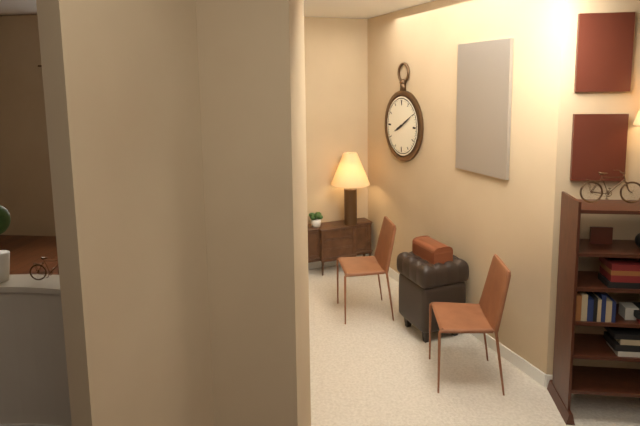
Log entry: 8 h 10 min
